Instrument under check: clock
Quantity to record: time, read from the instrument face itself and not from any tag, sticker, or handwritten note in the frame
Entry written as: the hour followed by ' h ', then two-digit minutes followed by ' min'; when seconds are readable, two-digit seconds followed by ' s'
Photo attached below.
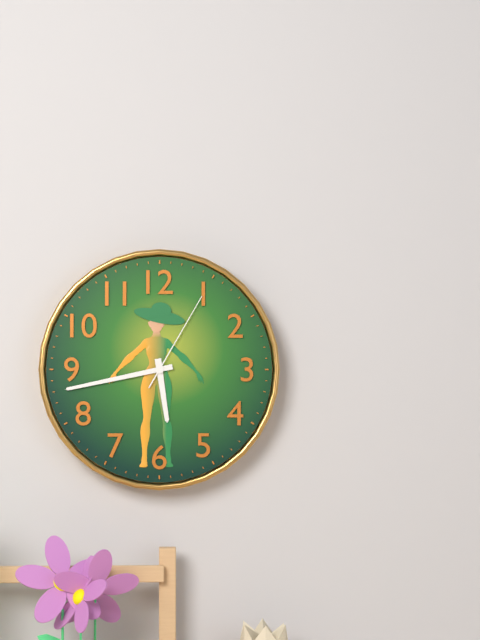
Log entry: 5 h 43 min 05 s
